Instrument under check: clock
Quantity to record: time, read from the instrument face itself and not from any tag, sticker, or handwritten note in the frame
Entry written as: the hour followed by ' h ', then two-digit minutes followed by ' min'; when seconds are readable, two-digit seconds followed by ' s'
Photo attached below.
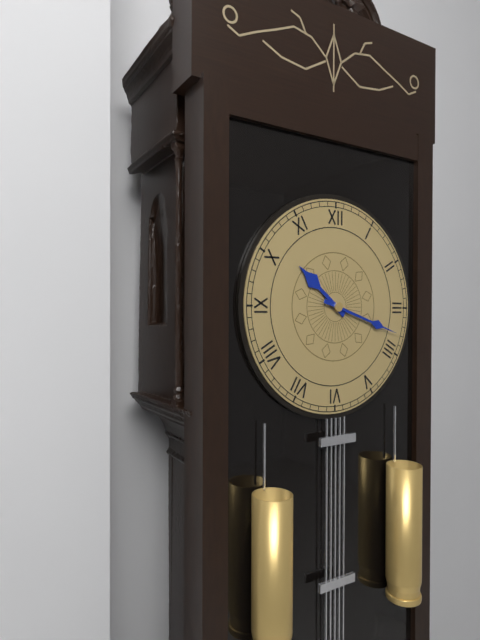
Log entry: 10 h 18 min
